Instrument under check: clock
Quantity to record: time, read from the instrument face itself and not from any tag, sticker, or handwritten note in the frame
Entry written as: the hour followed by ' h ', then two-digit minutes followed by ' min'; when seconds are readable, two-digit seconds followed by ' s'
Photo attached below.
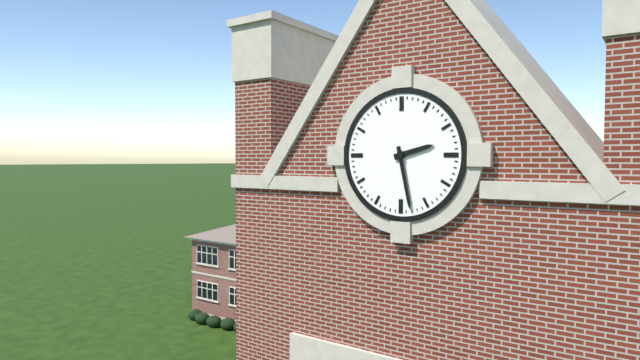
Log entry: 2 h 28 min
